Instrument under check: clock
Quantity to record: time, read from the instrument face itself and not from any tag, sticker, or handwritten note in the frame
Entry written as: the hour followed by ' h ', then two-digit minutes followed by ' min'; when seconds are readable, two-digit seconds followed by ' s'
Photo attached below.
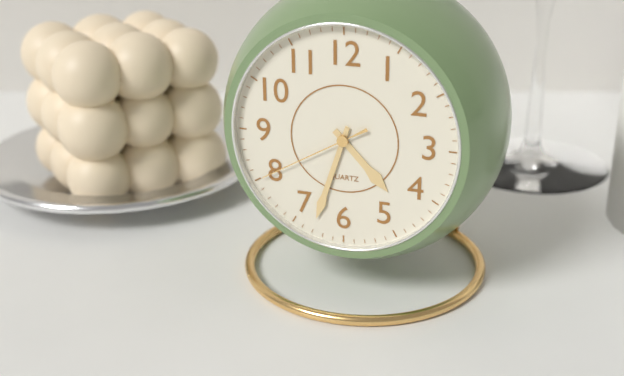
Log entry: 4 h 33 min 40 s
